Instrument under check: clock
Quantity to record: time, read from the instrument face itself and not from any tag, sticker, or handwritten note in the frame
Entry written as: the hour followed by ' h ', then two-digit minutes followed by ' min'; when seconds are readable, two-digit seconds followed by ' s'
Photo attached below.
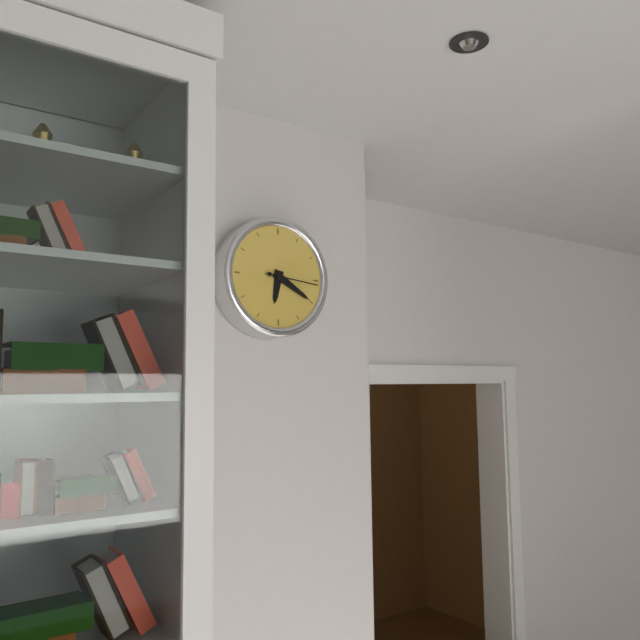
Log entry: 6 h 20 min 16 s
